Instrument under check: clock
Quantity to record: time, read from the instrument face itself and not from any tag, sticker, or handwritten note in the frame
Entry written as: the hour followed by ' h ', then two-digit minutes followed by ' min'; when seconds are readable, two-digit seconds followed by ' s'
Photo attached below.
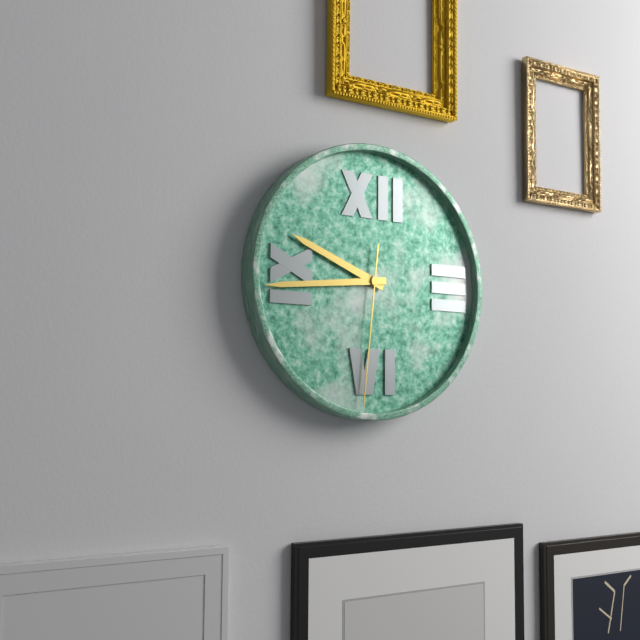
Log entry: 9 h 44 min 31 s
